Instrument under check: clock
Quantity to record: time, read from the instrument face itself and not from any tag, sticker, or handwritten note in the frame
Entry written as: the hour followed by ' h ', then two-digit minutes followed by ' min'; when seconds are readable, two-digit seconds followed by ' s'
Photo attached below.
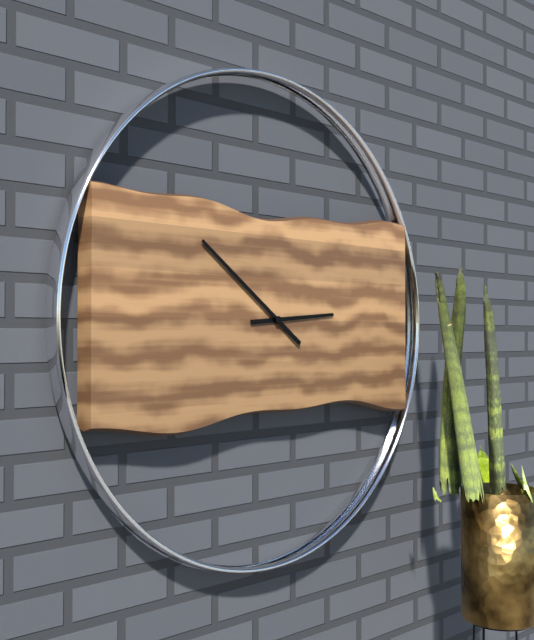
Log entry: 2 h 51 min
